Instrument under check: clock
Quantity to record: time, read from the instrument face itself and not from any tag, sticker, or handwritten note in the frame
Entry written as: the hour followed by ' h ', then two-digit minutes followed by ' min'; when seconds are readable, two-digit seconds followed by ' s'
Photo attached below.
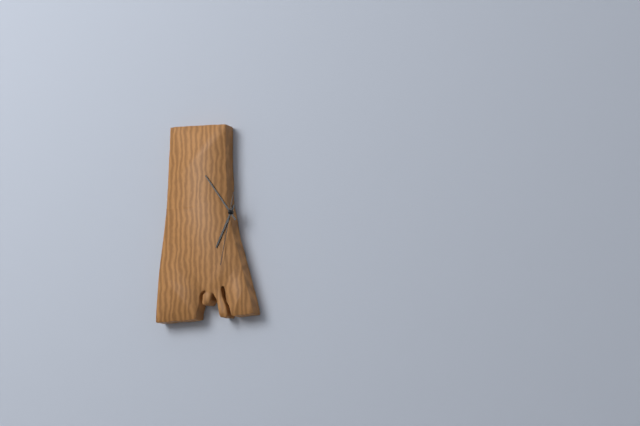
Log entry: 6 h 54 min 32 s
